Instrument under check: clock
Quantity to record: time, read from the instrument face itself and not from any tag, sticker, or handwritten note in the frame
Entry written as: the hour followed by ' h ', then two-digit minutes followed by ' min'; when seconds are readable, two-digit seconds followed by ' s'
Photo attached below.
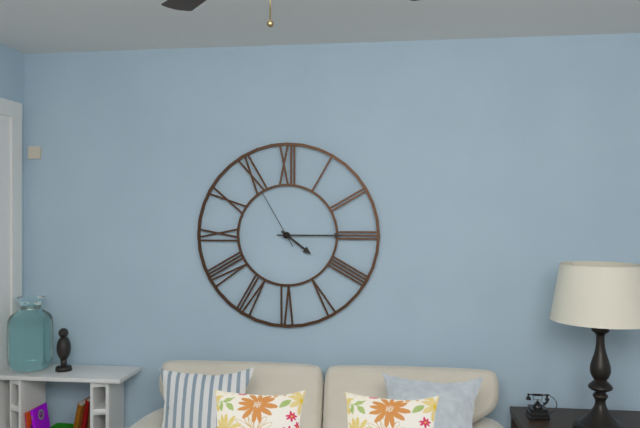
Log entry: 4 h 15 min 55 s
